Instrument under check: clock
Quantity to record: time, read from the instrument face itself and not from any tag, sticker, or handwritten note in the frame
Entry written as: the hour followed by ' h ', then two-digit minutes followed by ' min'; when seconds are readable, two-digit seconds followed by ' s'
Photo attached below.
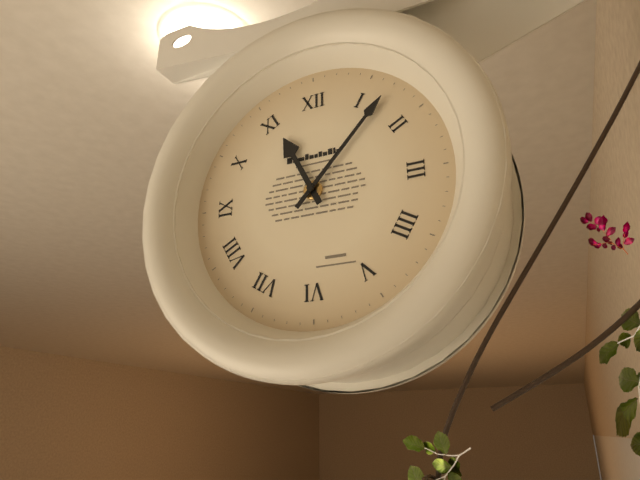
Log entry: 11 h 07 min
